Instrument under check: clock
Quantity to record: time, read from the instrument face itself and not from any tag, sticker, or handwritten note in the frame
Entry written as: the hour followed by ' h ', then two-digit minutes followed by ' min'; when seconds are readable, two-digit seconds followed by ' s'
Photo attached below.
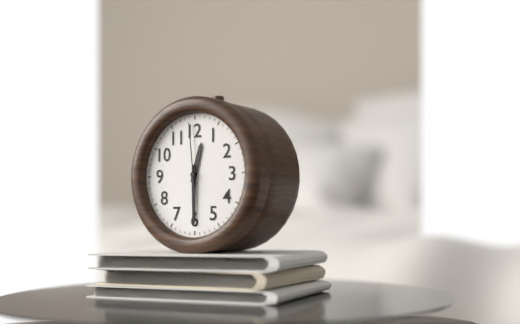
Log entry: 12 h 30 min 59 s
